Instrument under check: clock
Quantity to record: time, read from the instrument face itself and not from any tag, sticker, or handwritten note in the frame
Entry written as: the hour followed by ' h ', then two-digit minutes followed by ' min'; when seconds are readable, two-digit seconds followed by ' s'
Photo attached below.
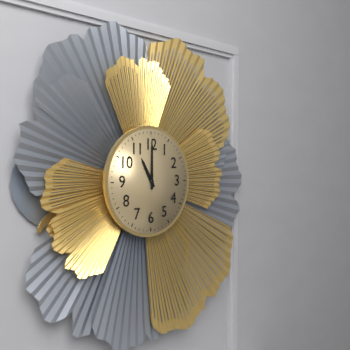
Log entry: 11 h 00 min
